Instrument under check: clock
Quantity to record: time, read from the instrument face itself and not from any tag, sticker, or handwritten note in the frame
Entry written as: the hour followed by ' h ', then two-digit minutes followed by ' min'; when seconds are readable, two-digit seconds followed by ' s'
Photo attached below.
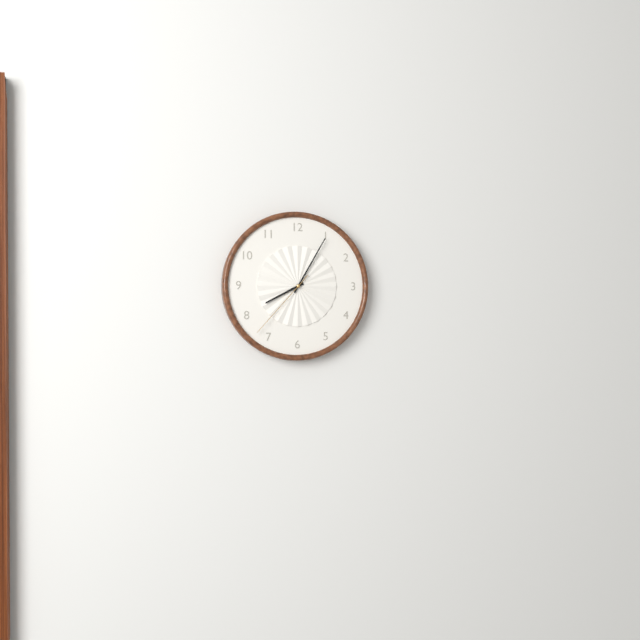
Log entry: 8 h 05 min 37 s
